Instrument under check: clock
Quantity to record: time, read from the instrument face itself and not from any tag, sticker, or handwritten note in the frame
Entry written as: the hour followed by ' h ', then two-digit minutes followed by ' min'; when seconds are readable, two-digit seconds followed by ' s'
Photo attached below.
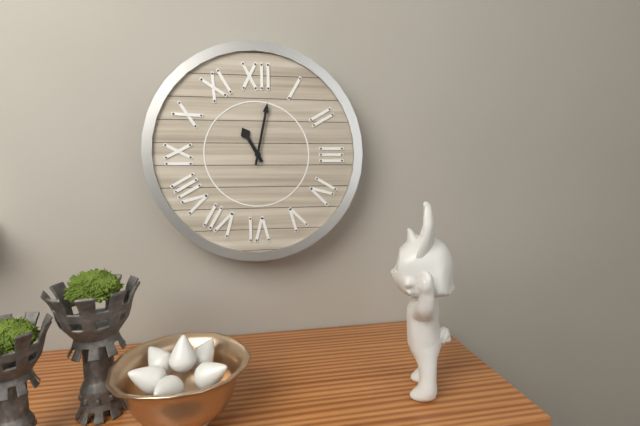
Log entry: 11 h 02 min
